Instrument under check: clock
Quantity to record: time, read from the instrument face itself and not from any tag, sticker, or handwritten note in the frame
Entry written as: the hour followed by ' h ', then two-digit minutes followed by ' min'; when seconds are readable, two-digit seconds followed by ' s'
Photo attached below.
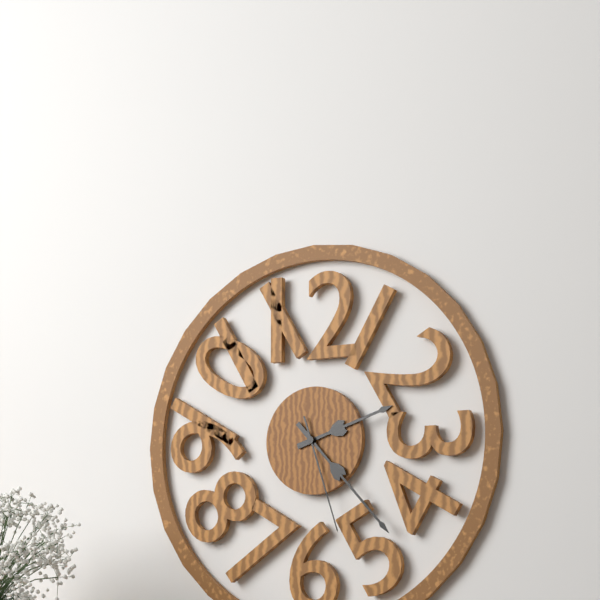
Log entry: 2 h 23 min 27 s
